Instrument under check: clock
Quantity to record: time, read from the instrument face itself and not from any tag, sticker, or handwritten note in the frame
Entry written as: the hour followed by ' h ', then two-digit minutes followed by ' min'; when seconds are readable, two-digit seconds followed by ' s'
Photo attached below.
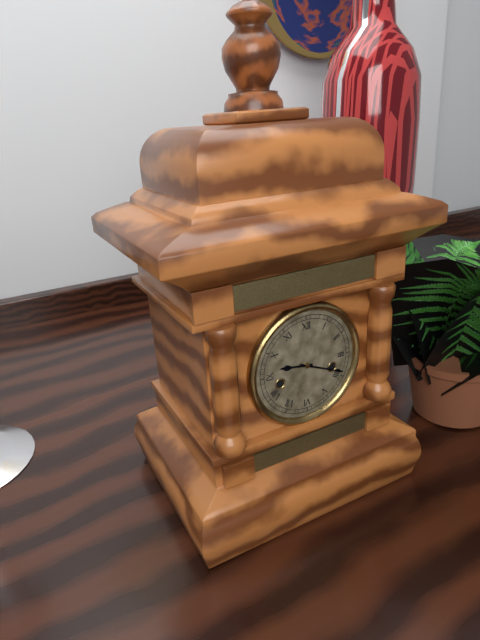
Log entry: 9 h 19 min
